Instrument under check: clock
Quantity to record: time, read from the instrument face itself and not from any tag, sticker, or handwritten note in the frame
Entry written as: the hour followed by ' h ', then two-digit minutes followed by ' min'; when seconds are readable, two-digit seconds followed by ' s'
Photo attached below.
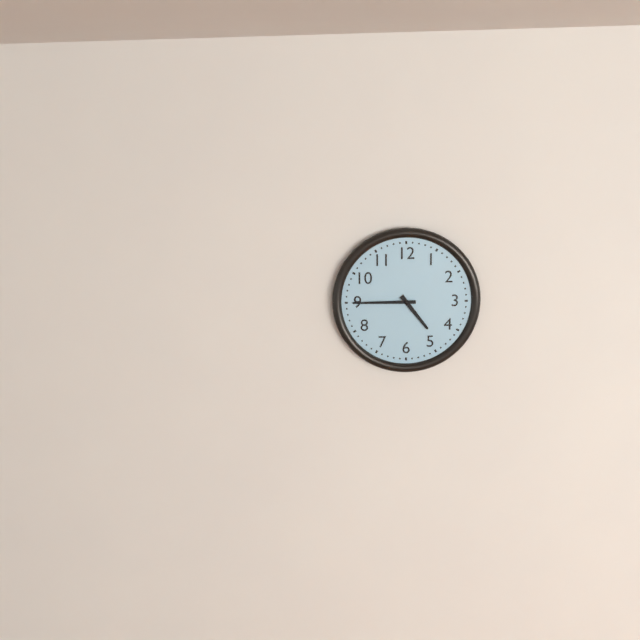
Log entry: 4 h 45 min
